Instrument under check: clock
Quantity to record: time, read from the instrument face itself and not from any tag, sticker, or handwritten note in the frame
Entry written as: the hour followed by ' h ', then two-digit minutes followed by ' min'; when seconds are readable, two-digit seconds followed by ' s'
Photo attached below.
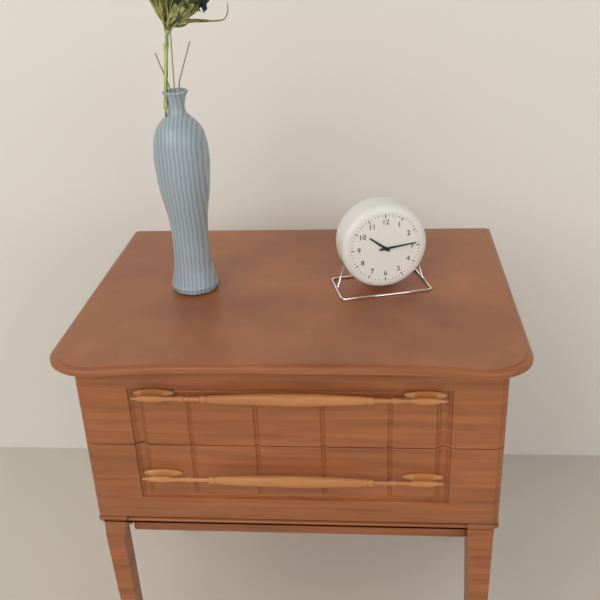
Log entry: 10 h 14 min
